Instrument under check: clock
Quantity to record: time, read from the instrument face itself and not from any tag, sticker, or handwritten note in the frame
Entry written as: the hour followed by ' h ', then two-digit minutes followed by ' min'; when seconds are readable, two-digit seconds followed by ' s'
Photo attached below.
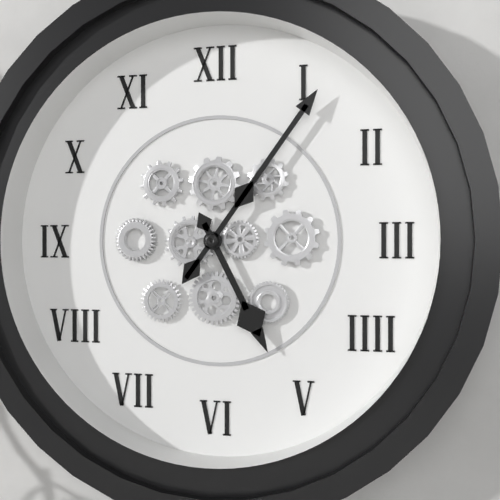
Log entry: 5 h 06 min
